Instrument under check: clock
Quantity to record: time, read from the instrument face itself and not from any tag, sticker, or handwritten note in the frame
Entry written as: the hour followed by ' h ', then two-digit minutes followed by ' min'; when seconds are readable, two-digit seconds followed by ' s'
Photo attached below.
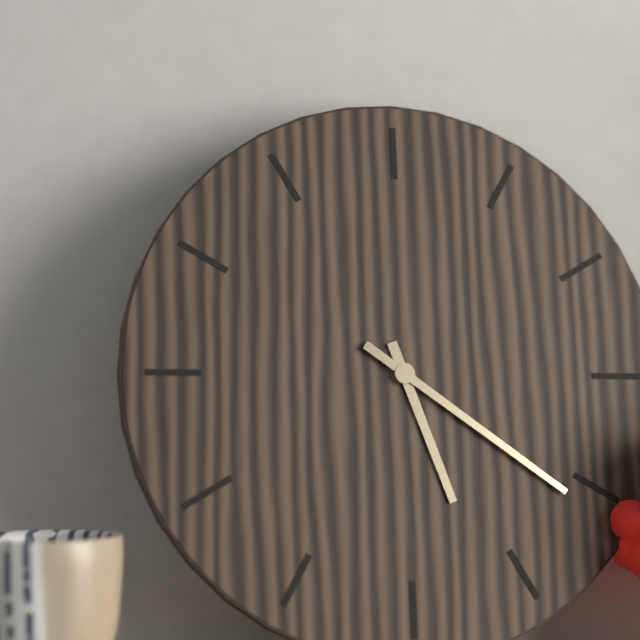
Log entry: 5 h 21 min
